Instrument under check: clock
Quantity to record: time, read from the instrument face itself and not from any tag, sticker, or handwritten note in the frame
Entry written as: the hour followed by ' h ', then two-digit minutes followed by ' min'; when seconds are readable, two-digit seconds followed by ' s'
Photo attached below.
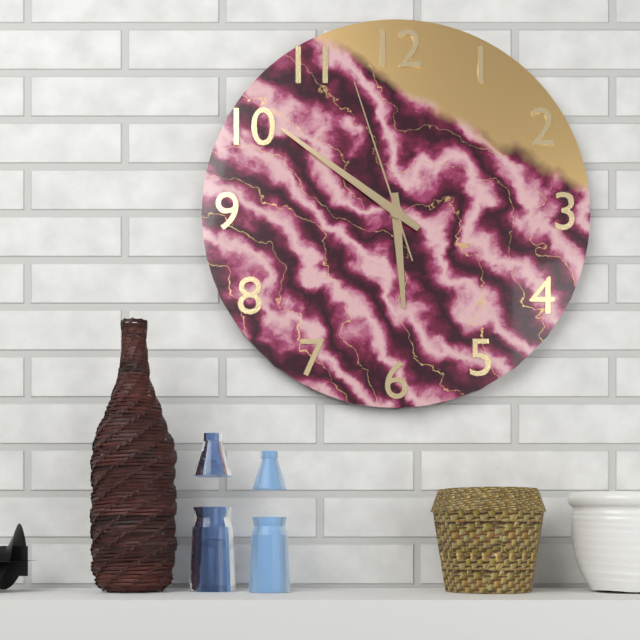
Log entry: 5 h 51 min 57 s
